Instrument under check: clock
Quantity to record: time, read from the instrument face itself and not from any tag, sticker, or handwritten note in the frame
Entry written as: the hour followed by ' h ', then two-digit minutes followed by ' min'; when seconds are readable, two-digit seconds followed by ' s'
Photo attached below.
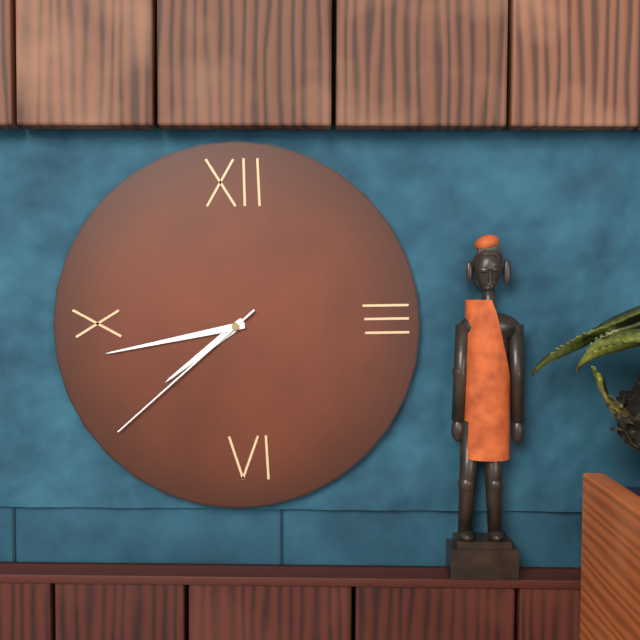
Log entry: 7 h 43 min 38 s
